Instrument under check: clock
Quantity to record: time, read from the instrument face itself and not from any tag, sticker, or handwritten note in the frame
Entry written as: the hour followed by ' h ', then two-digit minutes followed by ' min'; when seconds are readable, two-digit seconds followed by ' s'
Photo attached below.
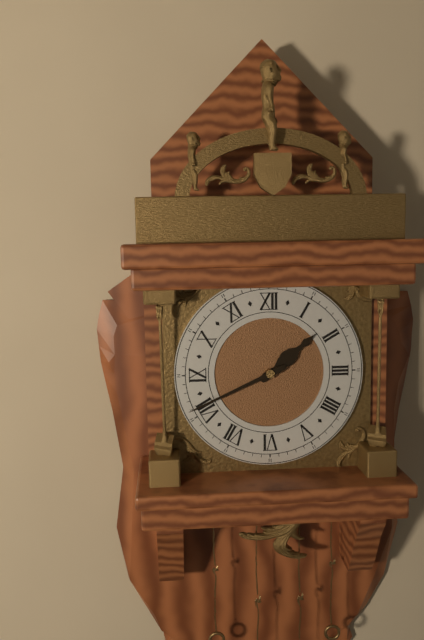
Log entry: 1 h 41 min
